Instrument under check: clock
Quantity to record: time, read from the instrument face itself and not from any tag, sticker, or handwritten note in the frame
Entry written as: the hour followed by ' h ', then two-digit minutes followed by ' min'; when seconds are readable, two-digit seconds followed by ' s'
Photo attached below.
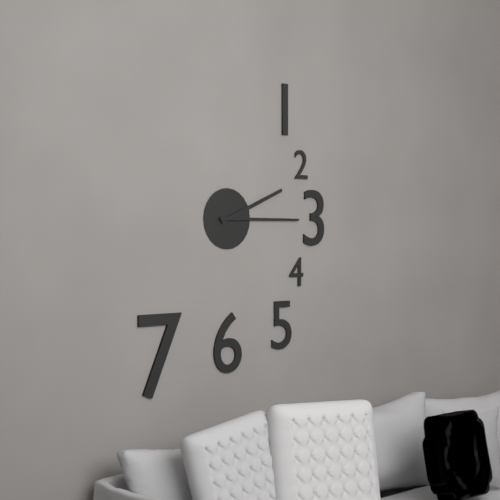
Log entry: 2 h 15 min
